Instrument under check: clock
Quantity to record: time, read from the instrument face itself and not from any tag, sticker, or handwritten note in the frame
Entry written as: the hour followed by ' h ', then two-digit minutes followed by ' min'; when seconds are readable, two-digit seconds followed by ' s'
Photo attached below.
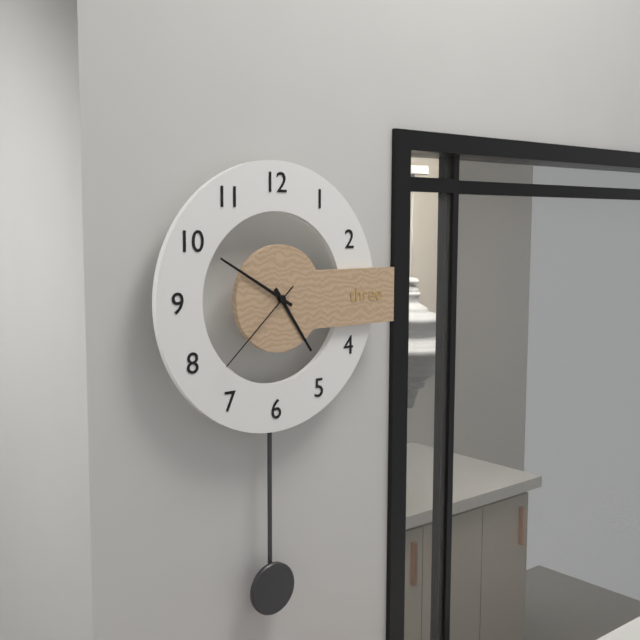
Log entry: 4 h 50 min 38 s
